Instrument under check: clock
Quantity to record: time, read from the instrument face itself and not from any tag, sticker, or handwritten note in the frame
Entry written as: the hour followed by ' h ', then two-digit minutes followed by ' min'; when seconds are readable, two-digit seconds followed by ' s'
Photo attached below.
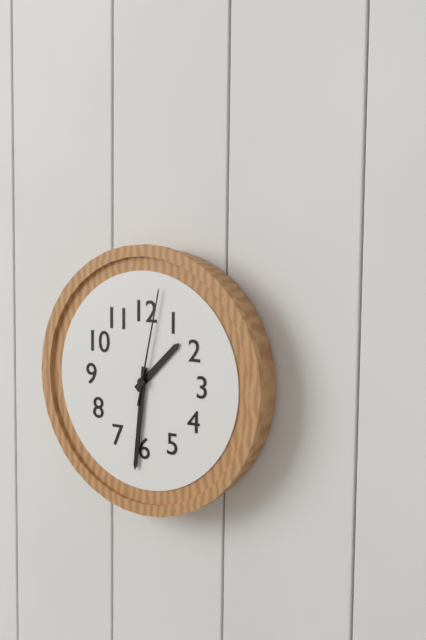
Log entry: 1 h 31 min 02 s
